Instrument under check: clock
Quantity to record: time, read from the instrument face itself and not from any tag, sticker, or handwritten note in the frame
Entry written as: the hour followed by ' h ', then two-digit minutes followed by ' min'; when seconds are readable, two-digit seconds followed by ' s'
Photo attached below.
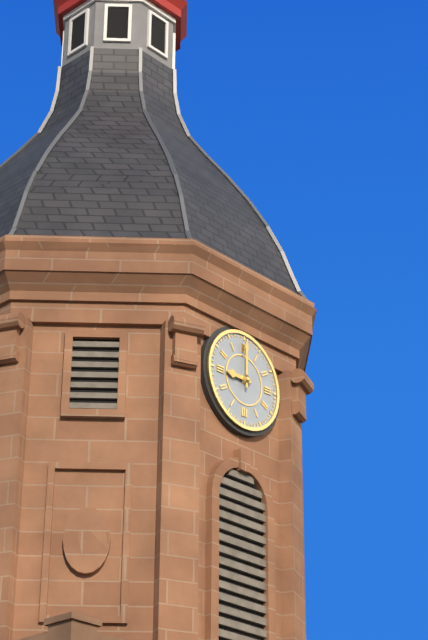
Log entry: 9 h 00 min
